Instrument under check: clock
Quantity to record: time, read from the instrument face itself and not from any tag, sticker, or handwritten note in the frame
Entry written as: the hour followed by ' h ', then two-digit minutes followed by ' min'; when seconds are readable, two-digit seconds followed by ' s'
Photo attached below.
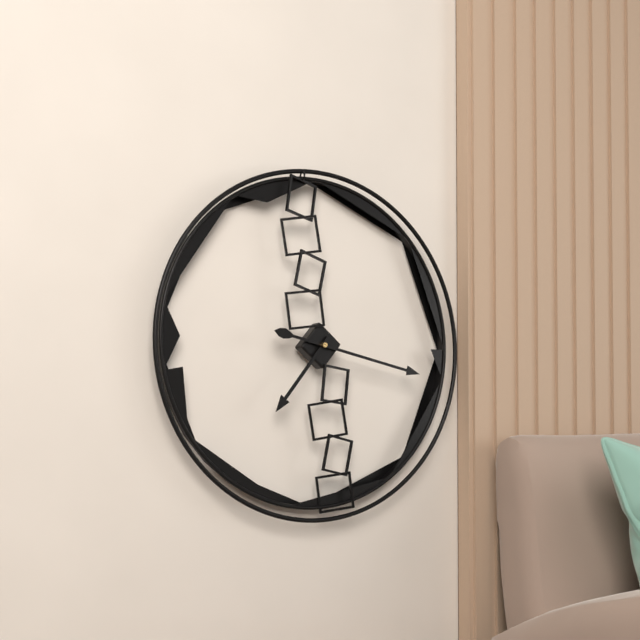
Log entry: 7 h 17 min
